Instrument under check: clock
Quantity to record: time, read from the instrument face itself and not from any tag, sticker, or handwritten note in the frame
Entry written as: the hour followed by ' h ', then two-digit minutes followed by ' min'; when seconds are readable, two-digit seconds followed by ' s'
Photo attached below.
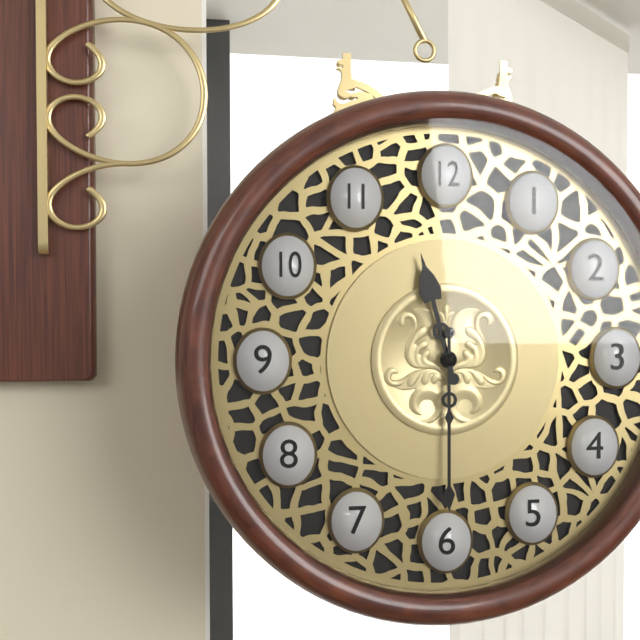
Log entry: 11 h 30 min
